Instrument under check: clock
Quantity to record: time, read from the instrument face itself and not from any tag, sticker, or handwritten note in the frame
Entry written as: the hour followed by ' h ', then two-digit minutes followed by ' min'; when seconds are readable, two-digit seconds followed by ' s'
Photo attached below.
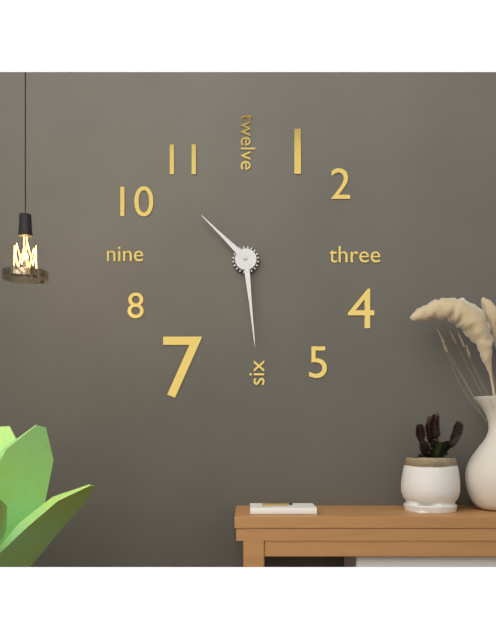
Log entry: 10 h 29 min
